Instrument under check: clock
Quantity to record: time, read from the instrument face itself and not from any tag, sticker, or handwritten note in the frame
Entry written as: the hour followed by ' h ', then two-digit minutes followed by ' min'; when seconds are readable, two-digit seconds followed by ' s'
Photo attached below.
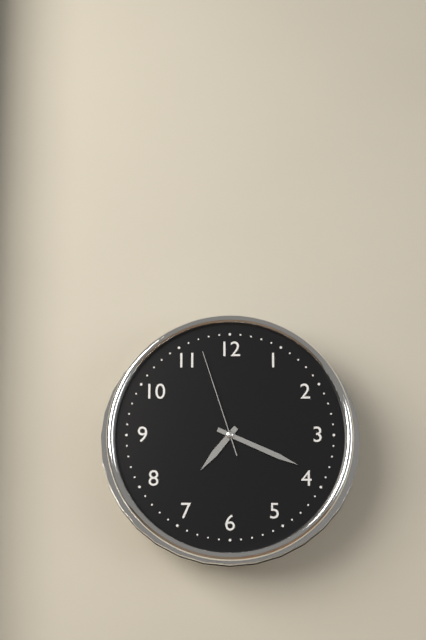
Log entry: 7 h 19 min 57 s
